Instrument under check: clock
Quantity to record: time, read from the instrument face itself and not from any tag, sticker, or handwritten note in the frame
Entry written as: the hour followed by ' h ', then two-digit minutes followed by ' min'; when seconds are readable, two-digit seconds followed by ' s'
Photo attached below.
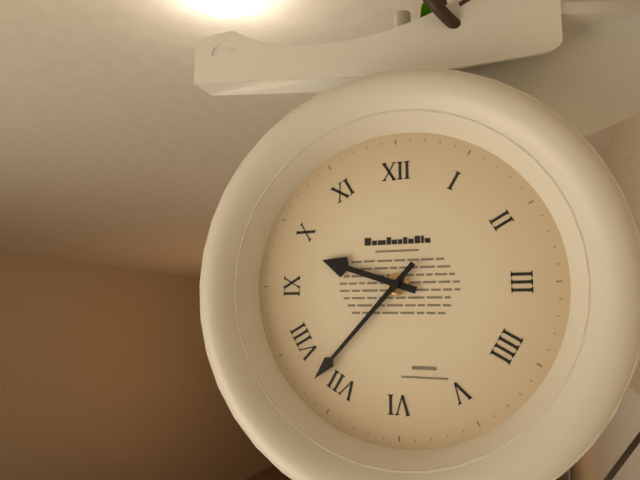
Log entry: 9 h 37 min
